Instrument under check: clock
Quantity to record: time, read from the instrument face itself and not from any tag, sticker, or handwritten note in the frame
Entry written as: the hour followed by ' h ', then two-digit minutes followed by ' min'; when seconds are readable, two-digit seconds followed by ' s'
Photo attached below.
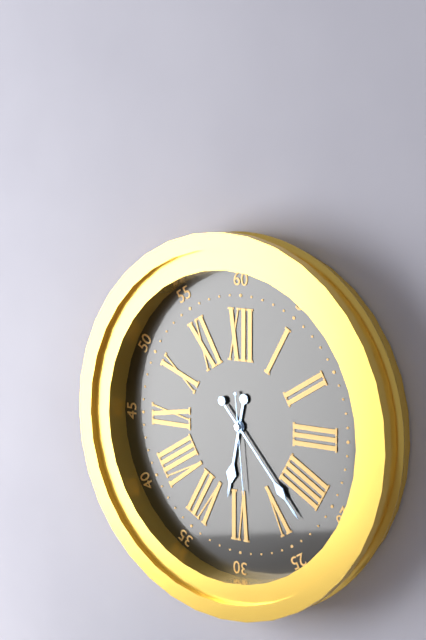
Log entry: 6 h 23 min 29 s
